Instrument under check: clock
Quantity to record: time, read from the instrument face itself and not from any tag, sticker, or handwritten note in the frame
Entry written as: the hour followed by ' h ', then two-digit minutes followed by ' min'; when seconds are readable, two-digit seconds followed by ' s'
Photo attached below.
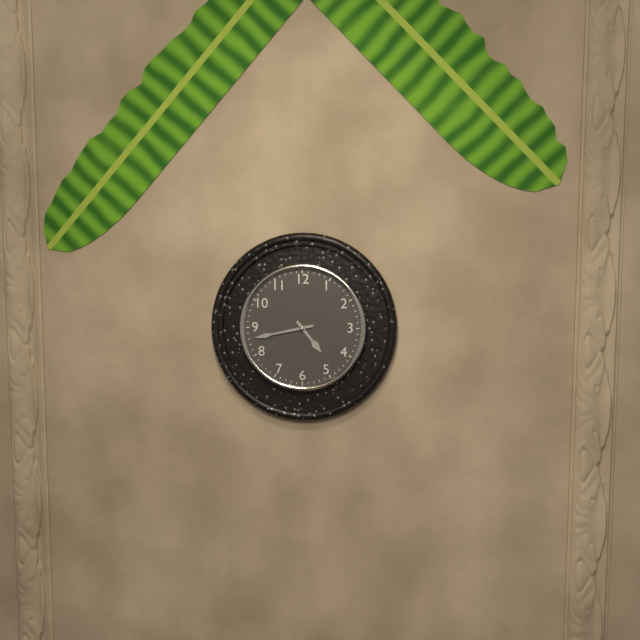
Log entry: 4 h 43 min
